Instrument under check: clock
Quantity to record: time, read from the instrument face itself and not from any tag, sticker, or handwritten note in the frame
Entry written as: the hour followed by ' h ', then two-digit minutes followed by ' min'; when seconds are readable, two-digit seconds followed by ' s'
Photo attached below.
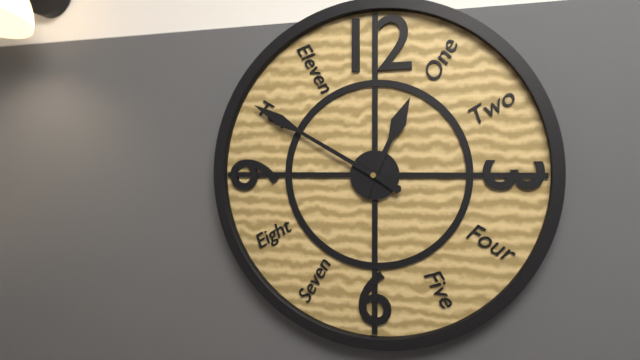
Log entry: 12 h 50 min
